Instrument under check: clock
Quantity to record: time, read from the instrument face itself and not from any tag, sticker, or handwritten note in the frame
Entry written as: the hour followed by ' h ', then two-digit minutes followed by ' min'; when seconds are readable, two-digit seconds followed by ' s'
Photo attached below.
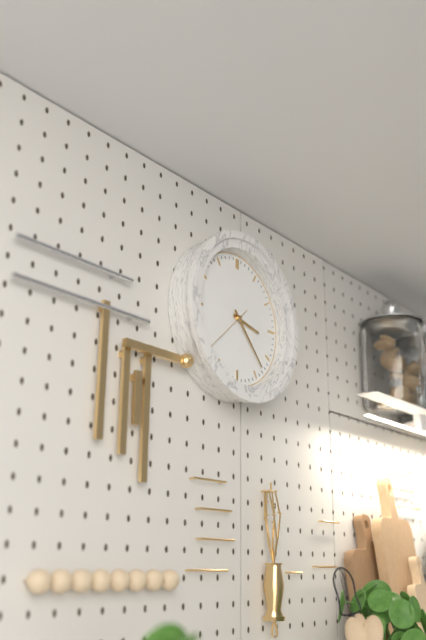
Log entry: 3 h 23 min 38 s
